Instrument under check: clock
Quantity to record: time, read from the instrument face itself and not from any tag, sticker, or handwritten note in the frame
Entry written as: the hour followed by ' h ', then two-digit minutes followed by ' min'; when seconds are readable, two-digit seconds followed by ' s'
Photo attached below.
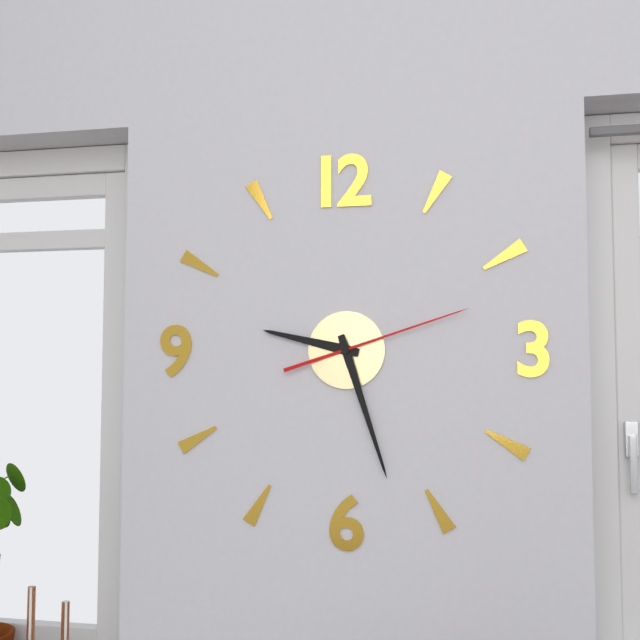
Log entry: 9 h 27 min 12 s
